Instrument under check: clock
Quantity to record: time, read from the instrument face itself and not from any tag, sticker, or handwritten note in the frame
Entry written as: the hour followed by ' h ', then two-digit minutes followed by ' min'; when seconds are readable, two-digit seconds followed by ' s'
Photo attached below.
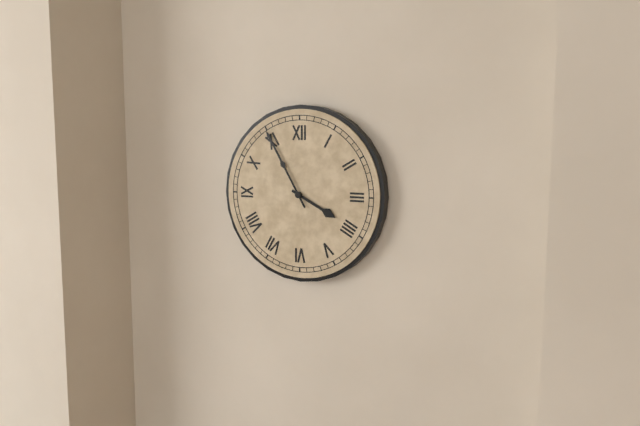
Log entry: 3 h 55 min
